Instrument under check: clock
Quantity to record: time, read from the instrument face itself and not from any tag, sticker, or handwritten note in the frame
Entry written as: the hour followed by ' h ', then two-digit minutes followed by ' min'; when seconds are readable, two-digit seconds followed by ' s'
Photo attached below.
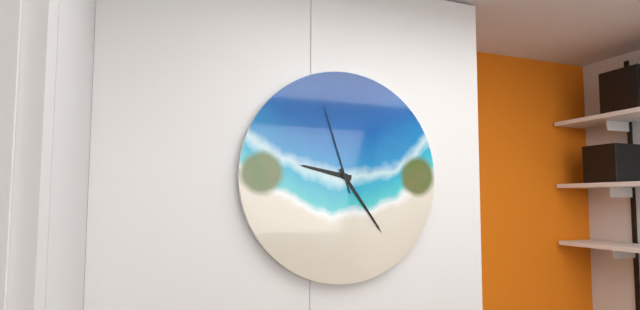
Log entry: 9 h 24 min 57 s
